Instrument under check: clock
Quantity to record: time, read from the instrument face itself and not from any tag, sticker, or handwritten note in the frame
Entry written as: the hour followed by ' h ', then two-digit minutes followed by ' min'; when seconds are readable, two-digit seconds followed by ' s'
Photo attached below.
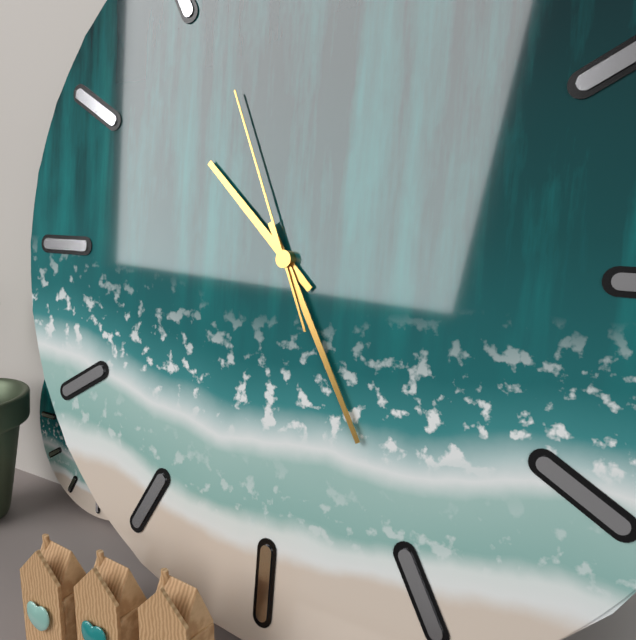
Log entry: 10 h 25 min 56 s
